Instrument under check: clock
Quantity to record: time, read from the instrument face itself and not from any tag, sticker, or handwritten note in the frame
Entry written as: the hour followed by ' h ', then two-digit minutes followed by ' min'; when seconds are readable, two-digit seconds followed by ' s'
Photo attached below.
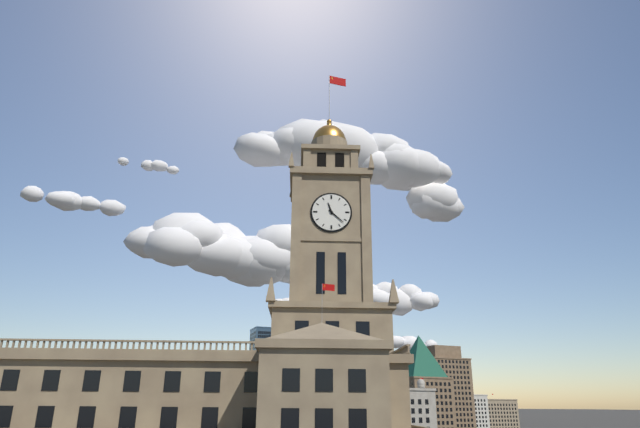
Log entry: 11 h 22 min
